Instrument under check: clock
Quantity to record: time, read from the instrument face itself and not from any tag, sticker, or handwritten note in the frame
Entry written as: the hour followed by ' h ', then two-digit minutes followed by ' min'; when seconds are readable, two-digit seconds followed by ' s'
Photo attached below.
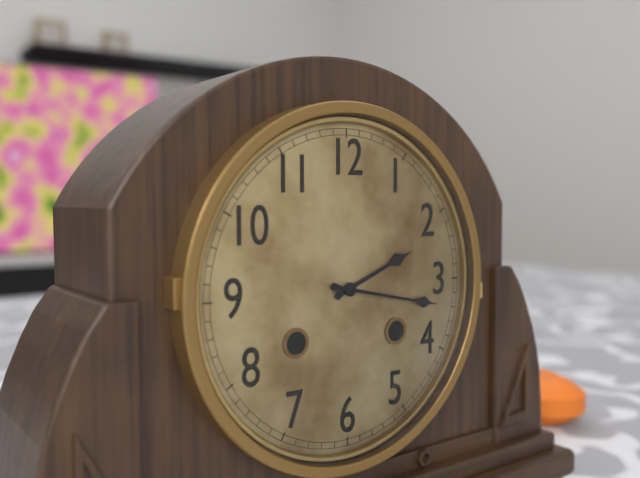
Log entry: 2 h 17 min
